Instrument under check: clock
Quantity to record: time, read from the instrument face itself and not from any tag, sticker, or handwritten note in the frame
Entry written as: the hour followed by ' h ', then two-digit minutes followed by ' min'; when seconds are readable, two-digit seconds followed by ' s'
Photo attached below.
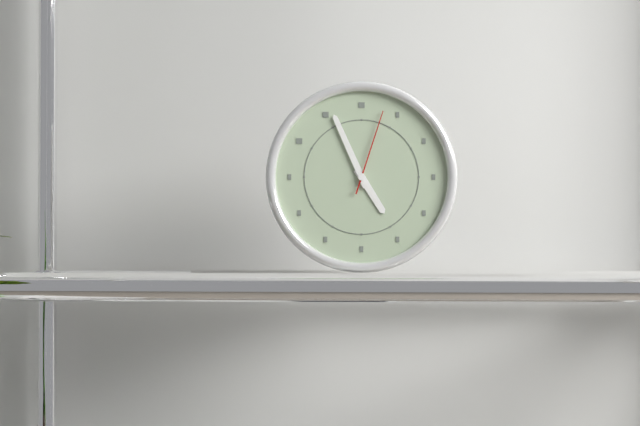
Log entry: 4 h 56 min 03 s
